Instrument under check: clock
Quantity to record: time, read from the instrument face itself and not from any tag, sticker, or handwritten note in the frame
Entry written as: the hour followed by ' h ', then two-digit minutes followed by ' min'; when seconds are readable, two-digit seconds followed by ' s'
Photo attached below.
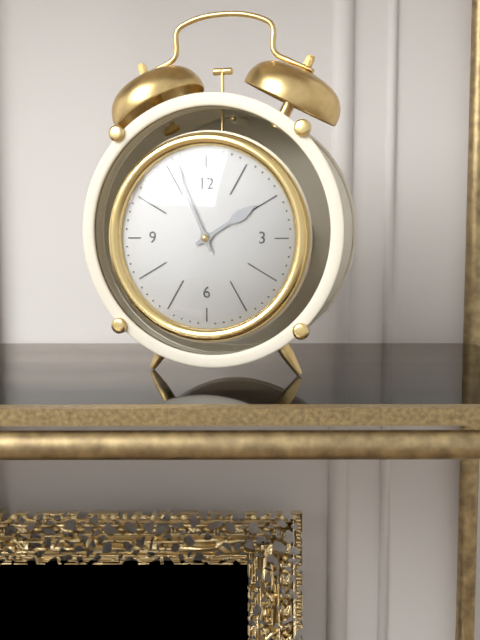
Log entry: 1 h 56 min
